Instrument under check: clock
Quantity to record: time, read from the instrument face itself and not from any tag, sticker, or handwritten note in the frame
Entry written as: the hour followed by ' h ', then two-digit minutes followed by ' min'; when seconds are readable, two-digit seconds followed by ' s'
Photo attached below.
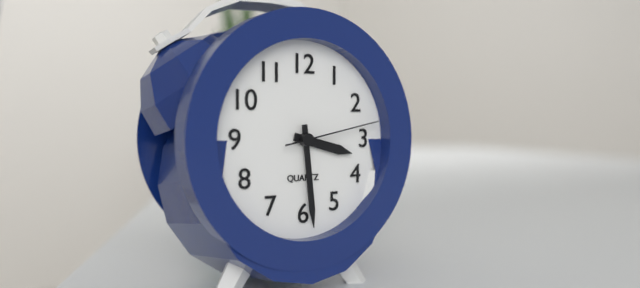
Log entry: 3 h 29 min 13 s
